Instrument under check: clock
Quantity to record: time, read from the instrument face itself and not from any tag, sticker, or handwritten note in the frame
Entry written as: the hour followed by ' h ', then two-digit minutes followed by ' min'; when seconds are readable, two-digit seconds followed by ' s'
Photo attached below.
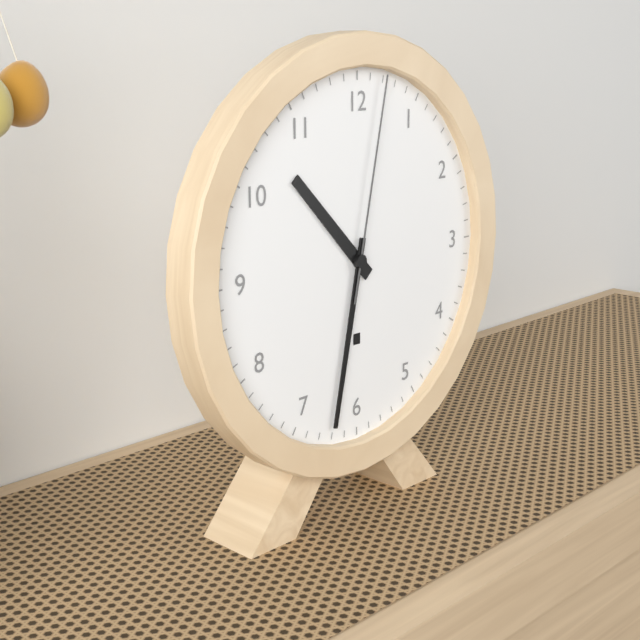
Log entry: 10 h 32 min 02 s
